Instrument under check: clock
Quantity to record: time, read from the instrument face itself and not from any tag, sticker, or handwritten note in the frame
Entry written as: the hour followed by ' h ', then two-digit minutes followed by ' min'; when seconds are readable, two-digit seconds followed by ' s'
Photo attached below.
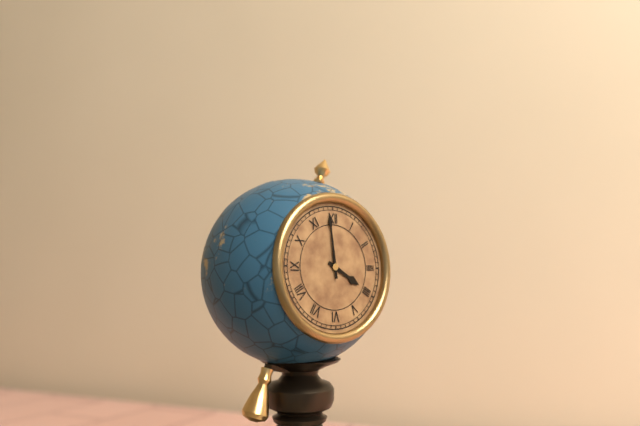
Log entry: 3 h 59 min
